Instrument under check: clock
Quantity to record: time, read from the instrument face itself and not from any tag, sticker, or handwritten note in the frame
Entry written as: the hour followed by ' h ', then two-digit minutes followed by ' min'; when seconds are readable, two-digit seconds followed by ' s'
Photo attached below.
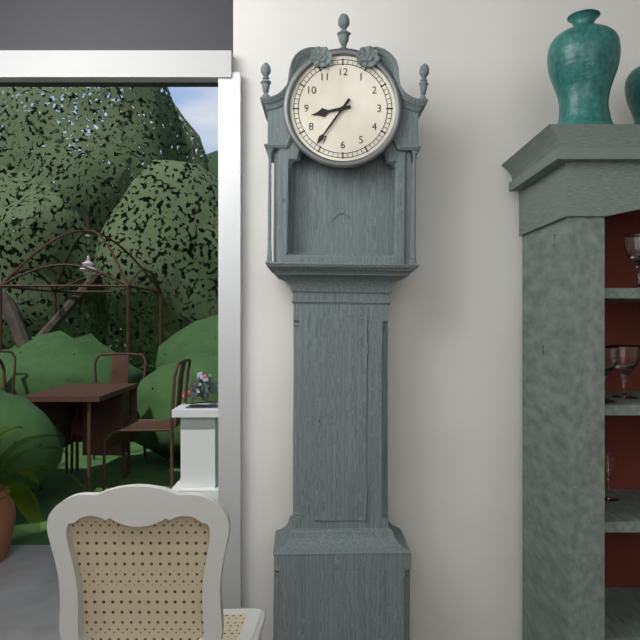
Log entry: 8 h 36 min
